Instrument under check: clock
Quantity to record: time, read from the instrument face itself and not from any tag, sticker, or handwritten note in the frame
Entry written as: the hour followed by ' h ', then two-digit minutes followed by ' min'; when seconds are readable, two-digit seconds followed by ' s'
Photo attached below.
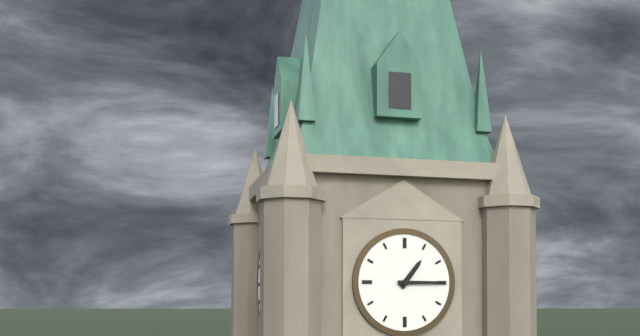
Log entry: 1 h 15 min
